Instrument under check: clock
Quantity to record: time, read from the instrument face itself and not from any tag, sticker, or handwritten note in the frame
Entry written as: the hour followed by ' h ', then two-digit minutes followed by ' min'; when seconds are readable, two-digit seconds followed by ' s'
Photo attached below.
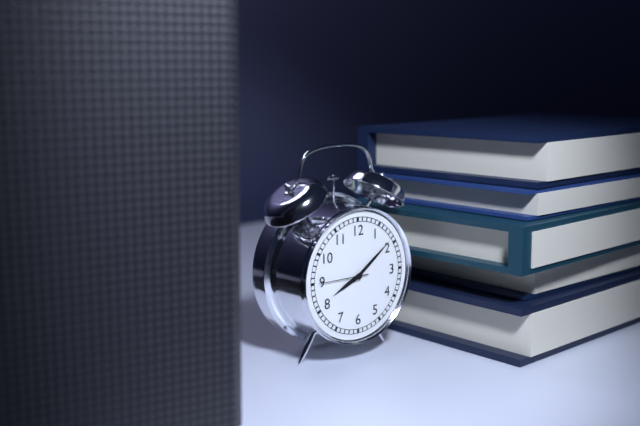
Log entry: 8 h 09 min 45 s
